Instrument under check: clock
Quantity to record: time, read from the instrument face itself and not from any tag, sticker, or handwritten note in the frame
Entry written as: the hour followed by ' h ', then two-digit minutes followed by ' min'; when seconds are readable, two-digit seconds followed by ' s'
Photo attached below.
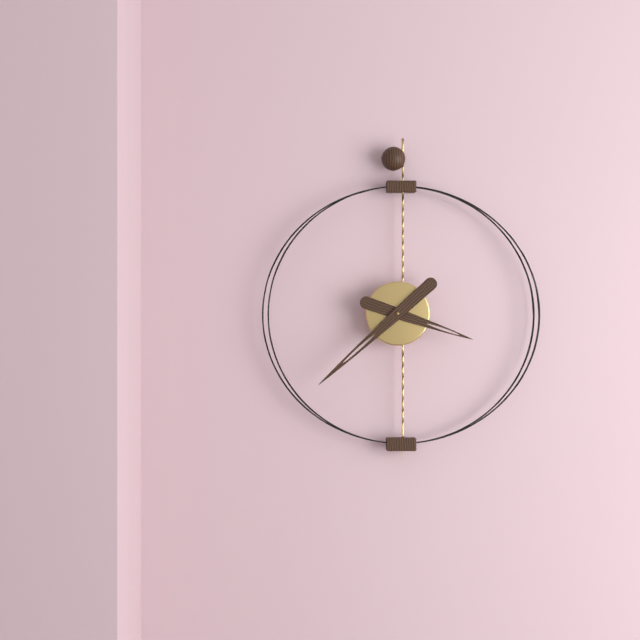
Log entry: 3 h 38 min
